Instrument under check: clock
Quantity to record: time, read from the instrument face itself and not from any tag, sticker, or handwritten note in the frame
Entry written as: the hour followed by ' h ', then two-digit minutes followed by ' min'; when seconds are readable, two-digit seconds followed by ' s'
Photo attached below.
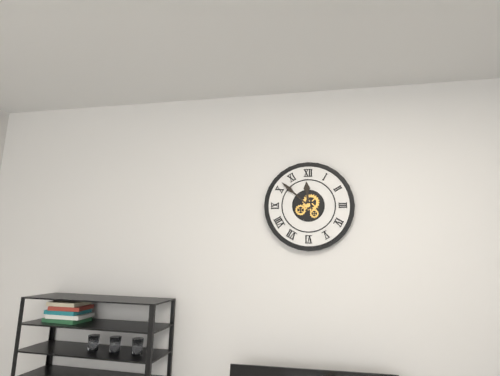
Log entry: 11 h 52 min
